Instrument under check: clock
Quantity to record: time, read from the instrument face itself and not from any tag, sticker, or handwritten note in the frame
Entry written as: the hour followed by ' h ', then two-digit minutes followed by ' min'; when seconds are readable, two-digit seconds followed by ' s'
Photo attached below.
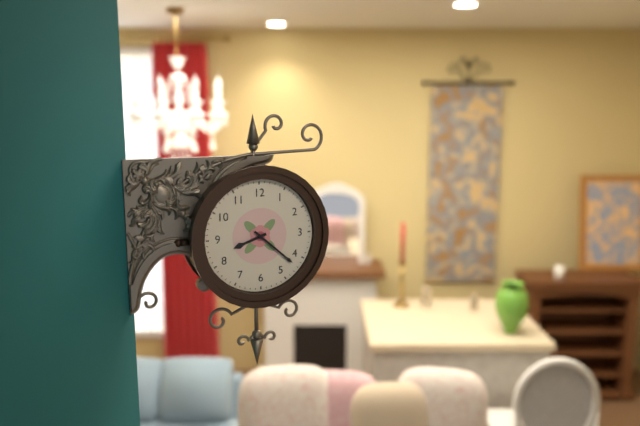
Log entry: 8 h 22 min
